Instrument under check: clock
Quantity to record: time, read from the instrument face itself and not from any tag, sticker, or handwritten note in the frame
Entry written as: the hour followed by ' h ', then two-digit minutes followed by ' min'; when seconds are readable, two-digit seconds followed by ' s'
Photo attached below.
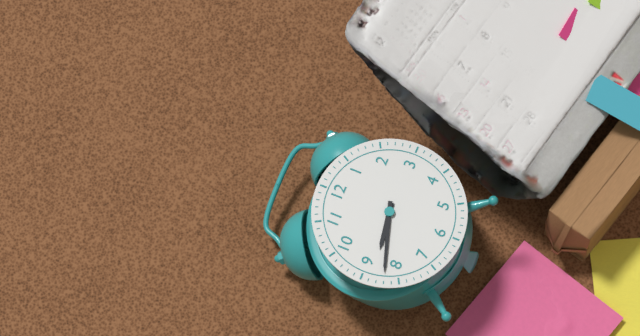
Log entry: 8 h 42 min
